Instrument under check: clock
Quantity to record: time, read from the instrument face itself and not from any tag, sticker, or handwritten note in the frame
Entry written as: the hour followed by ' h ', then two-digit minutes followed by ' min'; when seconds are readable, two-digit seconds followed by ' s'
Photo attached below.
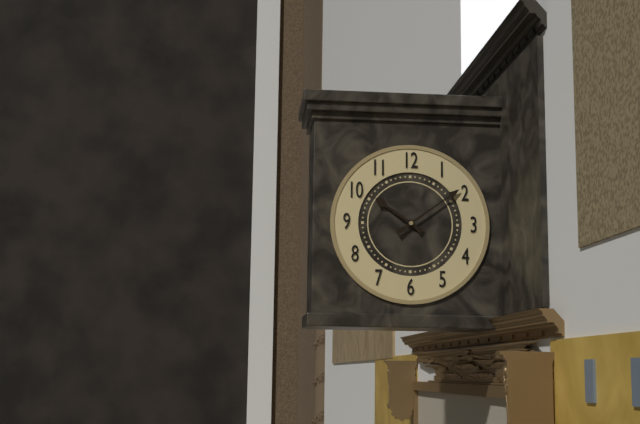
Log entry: 10 h 09 min
